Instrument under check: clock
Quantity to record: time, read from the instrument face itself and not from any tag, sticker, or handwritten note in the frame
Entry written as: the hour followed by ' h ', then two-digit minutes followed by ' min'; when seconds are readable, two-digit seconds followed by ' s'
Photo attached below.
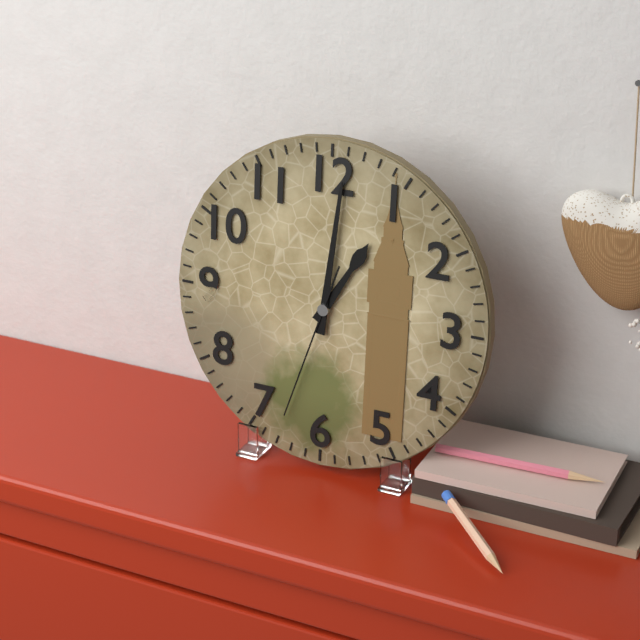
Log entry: 1 h 01 min 33 s
